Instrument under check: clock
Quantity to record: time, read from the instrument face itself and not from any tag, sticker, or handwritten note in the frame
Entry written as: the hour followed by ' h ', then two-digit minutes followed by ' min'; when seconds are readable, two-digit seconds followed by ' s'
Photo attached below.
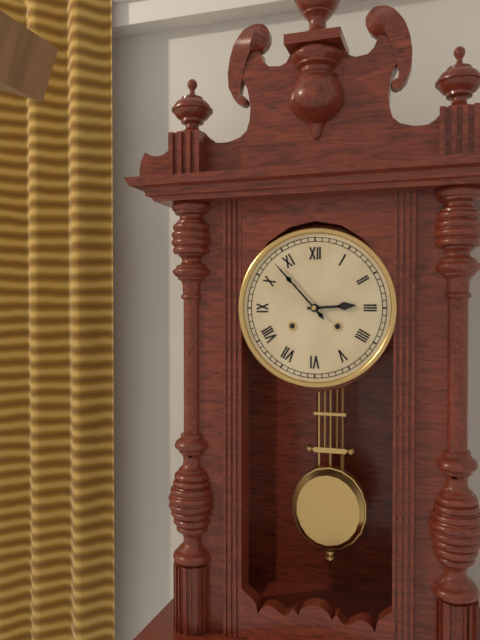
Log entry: 2 h 53 min
